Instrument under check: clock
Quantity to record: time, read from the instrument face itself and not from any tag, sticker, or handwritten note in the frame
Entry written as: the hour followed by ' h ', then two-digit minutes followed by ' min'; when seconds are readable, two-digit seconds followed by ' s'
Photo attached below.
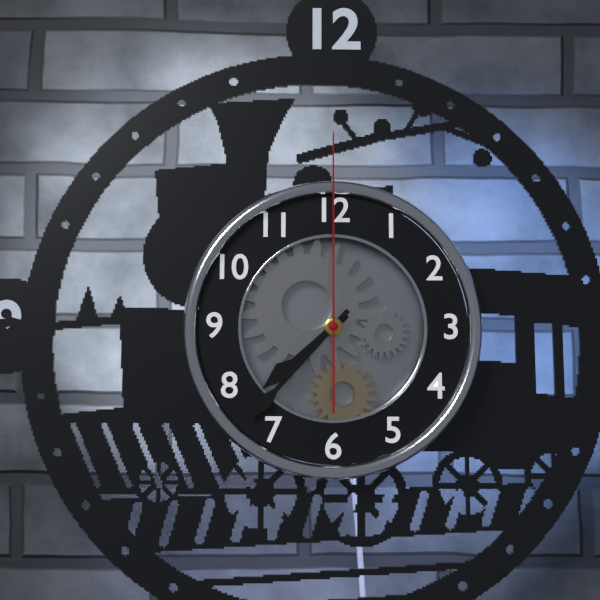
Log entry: 7 h 37 min 00 s
